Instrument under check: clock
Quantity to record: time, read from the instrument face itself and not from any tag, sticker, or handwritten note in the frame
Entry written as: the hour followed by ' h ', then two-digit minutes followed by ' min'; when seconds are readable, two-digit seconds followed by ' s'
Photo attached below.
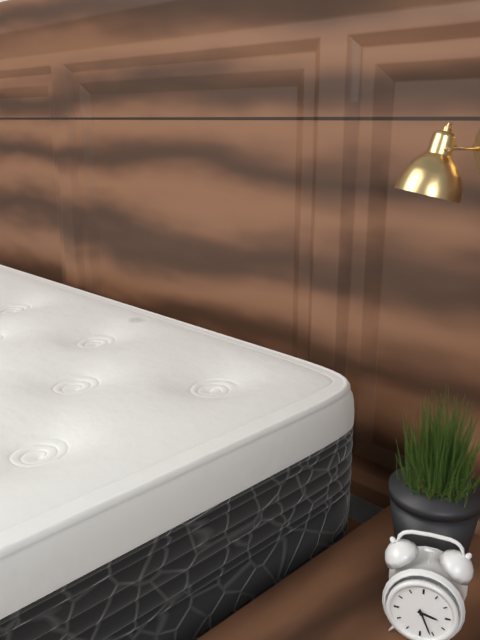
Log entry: 3 h 26 min
